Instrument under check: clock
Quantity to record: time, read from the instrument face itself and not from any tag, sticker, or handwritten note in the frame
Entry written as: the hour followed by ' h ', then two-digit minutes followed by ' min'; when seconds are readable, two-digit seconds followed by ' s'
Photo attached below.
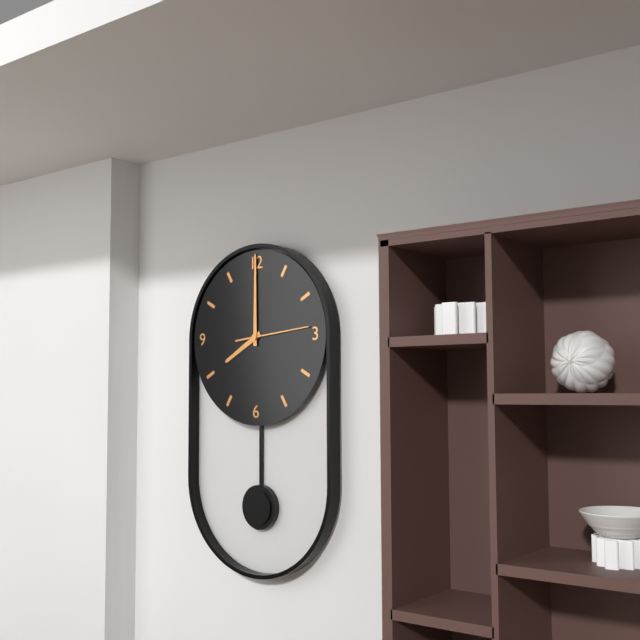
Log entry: 8 h 00 min 14 s
